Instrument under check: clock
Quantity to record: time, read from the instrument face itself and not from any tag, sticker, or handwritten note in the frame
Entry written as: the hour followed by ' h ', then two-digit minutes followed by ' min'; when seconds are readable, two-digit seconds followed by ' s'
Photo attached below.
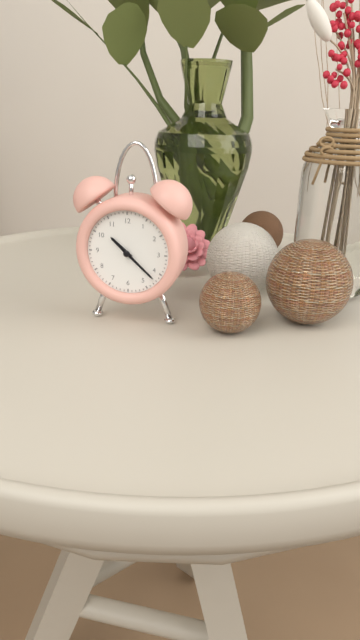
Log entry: 10 h 22 min
